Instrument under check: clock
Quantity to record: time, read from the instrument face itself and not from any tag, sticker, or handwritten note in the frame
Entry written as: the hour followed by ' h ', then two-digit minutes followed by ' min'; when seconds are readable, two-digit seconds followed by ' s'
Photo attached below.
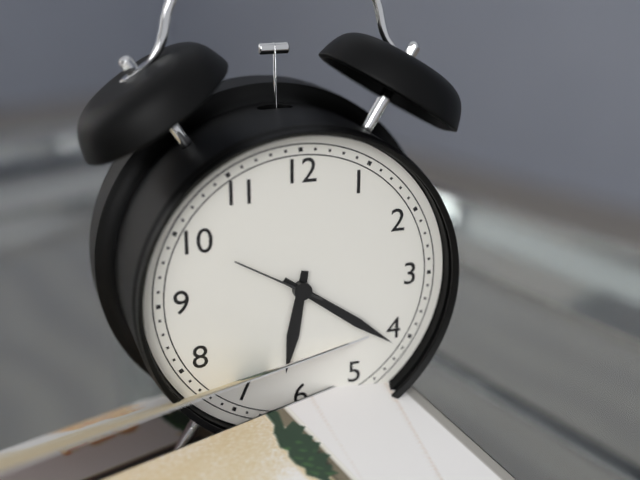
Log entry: 6 h 21 min 50 s
